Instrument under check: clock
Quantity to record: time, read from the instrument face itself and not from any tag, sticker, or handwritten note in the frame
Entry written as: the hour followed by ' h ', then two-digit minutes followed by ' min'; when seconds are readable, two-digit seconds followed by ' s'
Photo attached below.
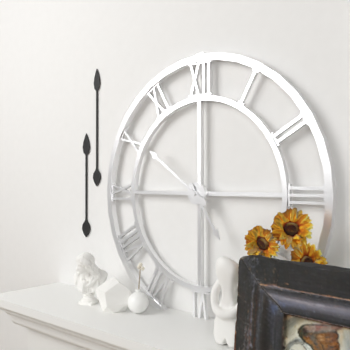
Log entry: 4 h 51 min
